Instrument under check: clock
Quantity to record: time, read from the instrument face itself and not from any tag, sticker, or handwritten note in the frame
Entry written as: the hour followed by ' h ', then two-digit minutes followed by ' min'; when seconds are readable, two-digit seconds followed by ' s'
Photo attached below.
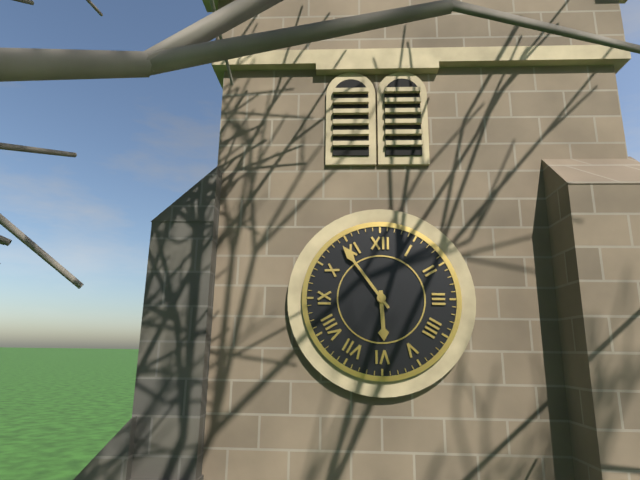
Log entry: 5 h 54 min
